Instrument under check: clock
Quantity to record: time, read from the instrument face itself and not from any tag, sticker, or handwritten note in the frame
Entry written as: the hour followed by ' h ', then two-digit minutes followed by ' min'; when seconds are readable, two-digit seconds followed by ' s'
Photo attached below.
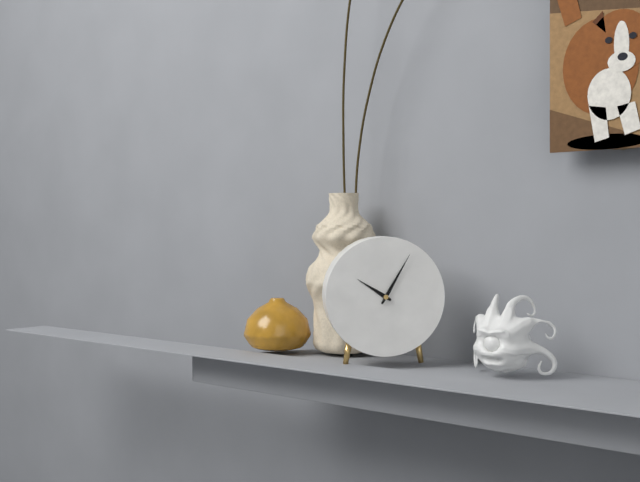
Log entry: 10 h 05 min
